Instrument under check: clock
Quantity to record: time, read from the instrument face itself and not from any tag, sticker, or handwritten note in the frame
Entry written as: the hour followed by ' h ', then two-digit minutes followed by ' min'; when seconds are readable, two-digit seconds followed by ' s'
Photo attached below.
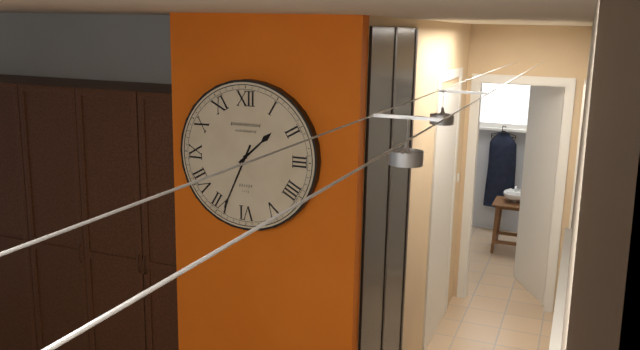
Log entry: 1 h 34 min
